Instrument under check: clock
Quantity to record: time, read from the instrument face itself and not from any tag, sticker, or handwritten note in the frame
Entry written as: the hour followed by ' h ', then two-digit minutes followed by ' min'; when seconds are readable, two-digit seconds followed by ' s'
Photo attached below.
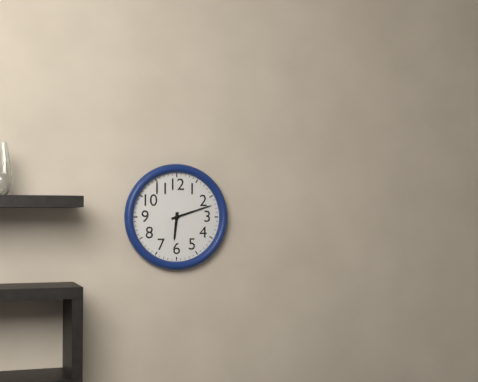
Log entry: 6 h 12 min
